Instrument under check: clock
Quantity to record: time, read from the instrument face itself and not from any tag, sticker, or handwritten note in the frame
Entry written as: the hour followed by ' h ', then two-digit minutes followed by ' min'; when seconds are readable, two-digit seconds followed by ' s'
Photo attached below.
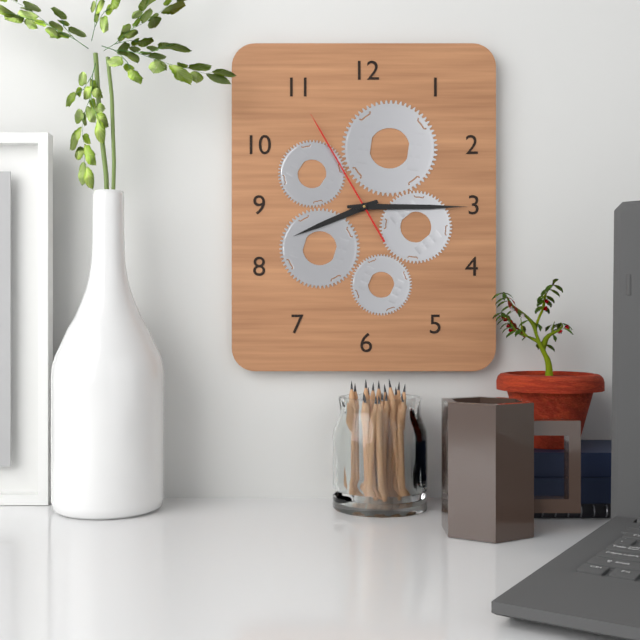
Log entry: 8 h 15 min 55 s
